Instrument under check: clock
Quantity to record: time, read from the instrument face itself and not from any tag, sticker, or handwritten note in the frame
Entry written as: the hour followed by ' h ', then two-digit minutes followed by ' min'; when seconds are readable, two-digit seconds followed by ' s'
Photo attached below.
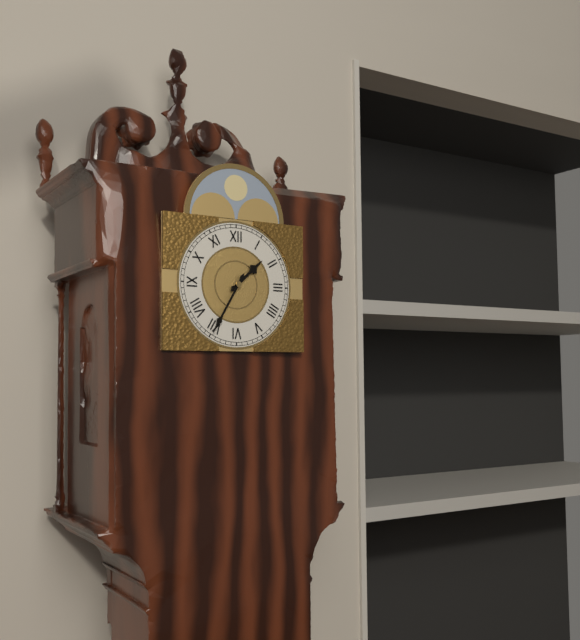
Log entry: 1 h 35 min
